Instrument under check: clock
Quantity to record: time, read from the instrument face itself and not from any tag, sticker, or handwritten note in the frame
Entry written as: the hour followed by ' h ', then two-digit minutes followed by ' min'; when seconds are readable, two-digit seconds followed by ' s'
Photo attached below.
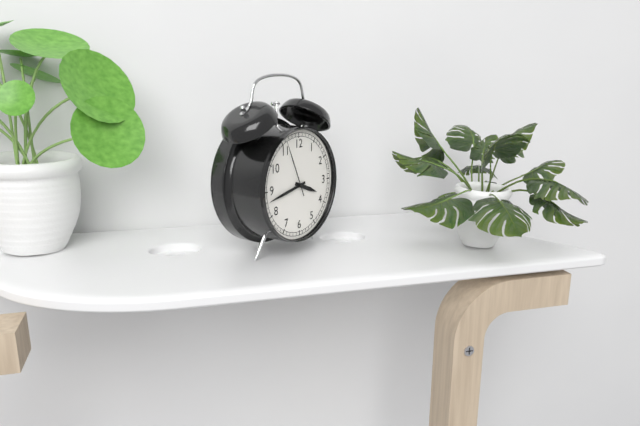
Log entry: 3 h 43 min 56 s
